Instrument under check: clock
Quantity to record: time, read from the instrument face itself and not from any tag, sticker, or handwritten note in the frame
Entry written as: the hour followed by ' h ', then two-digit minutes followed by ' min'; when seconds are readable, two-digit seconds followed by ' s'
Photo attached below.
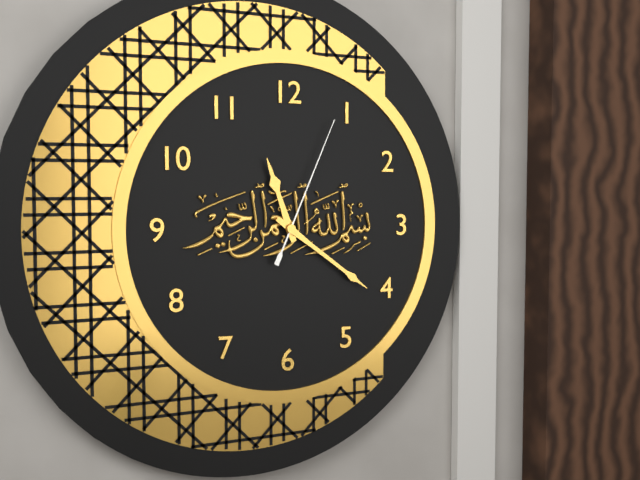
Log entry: 11 h 21 min 04 s
